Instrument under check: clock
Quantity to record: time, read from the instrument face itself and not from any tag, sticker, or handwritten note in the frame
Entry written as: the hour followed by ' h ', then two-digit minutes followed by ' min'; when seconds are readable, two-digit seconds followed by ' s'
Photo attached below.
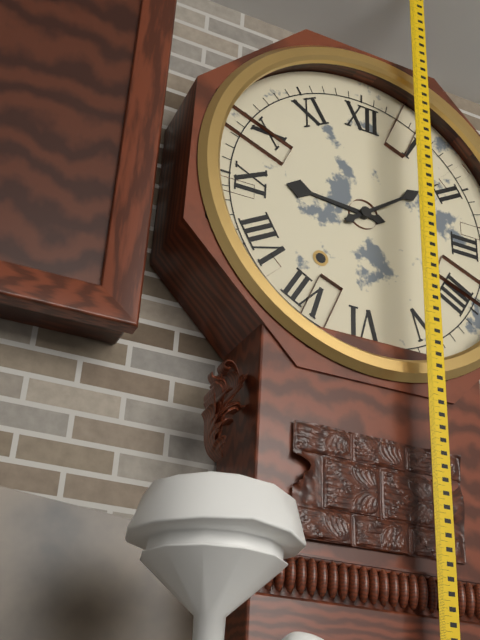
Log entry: 9 h 09 min
